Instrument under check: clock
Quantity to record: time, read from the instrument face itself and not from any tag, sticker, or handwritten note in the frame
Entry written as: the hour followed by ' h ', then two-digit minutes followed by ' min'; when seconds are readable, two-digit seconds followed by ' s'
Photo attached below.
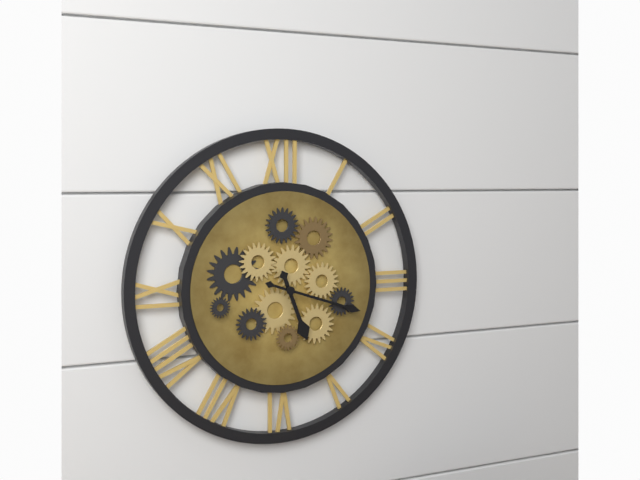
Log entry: 5 h 18 min
